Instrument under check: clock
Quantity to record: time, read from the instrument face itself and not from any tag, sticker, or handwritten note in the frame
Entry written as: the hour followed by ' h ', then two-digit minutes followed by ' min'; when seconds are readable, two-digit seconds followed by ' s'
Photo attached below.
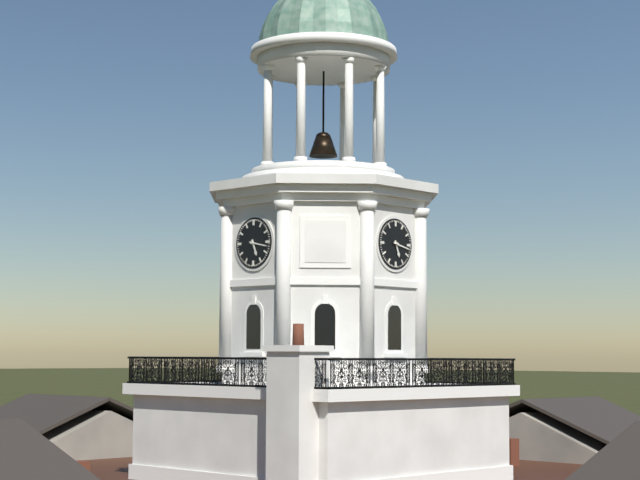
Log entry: 5 h 17 min
